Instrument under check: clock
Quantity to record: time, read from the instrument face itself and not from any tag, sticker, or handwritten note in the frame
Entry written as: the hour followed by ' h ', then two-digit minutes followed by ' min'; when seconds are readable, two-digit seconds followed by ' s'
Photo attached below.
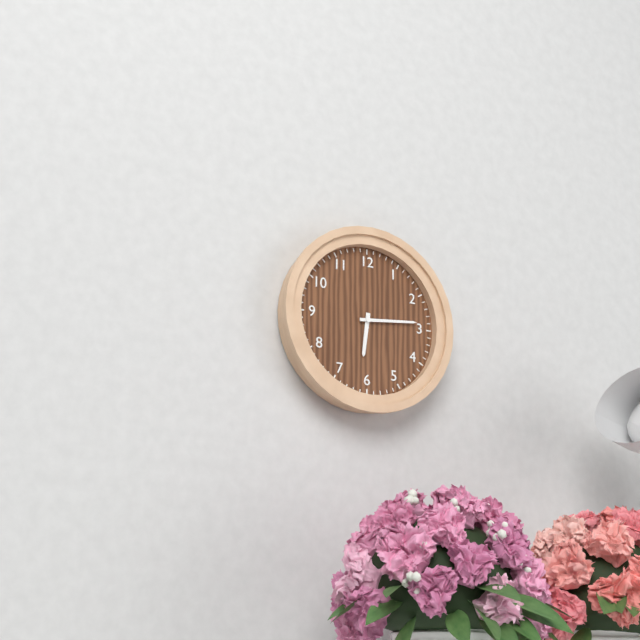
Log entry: 6 h 14 min
